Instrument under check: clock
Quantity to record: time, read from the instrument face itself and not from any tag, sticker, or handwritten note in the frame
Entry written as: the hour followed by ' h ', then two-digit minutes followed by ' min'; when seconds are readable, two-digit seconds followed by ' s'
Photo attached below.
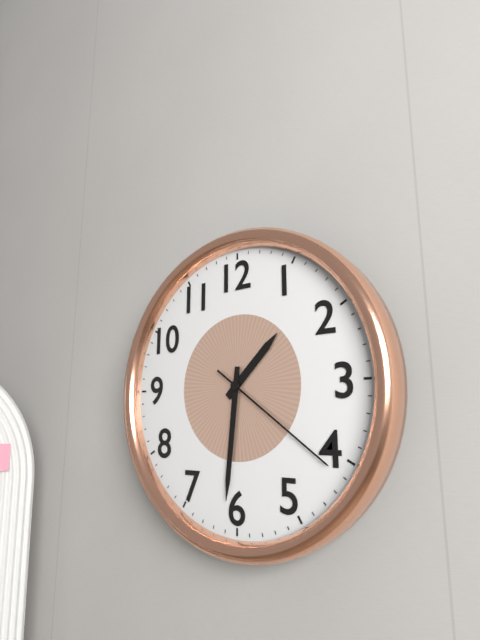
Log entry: 1 h 31 min 21 s
